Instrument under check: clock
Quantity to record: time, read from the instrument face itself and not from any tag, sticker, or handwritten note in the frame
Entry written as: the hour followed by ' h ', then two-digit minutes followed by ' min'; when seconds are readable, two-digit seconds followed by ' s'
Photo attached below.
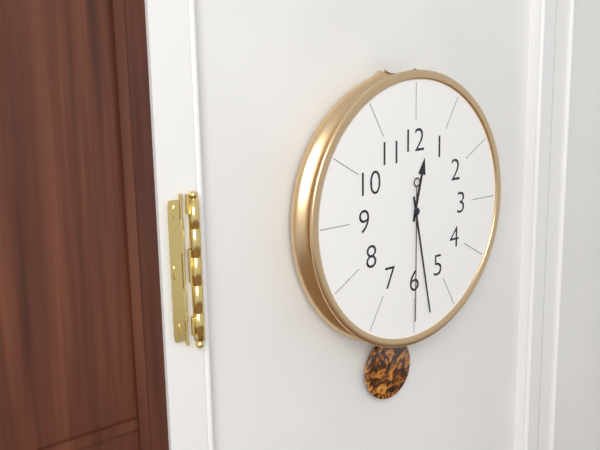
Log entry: 12 h 28 min 30 s
